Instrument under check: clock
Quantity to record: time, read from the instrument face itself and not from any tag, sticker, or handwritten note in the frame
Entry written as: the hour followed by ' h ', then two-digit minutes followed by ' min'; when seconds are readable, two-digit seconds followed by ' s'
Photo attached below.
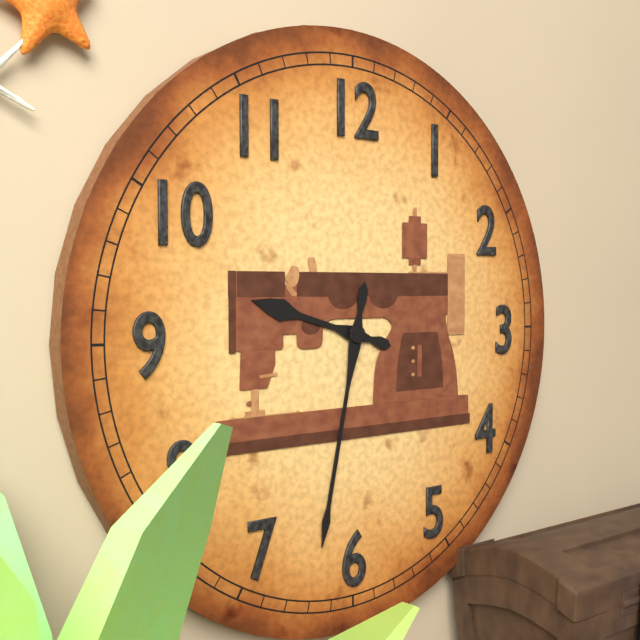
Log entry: 9 h 32 min
